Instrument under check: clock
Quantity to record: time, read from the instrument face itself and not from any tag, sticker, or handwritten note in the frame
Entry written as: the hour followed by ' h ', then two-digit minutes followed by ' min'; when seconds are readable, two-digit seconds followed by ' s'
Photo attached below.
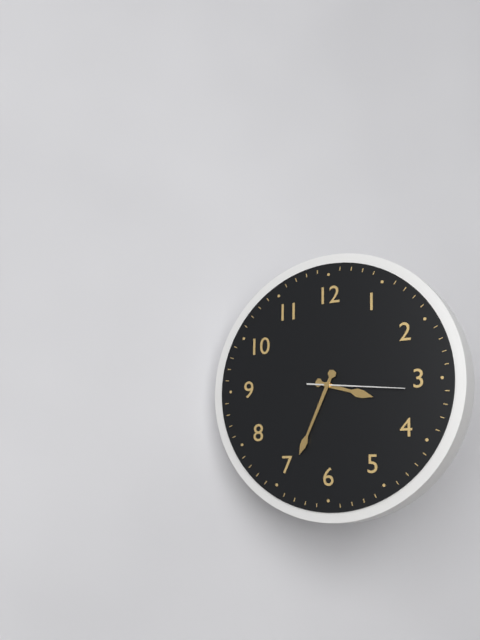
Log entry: 3 h 34 min 16 s
